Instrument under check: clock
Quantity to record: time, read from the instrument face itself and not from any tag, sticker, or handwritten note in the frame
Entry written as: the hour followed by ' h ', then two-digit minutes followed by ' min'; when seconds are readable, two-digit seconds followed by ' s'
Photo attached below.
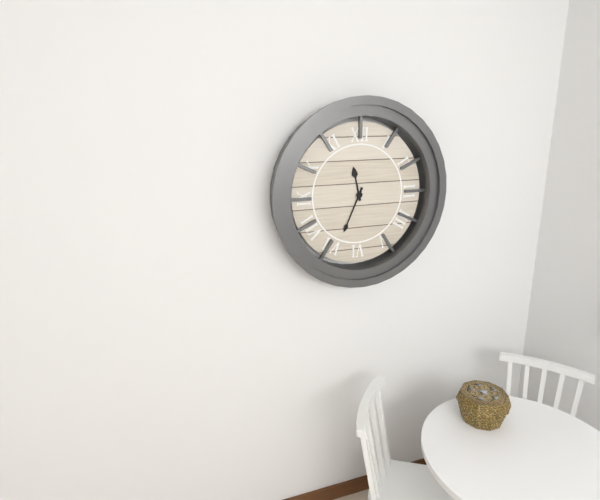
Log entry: 11 h 34 min
